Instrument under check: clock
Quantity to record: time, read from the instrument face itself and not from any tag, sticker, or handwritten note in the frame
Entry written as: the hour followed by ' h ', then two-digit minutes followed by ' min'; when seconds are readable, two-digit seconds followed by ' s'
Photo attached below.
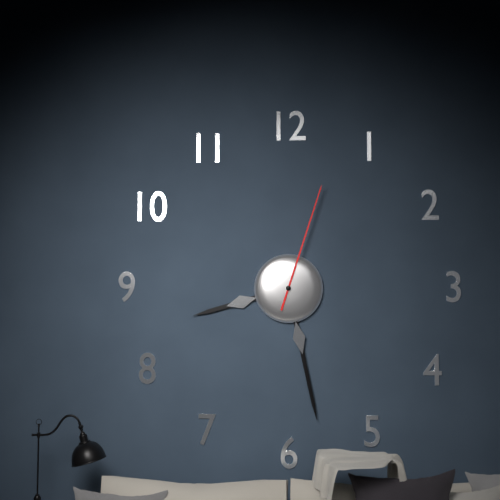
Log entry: 8 h 28 min 03 s
